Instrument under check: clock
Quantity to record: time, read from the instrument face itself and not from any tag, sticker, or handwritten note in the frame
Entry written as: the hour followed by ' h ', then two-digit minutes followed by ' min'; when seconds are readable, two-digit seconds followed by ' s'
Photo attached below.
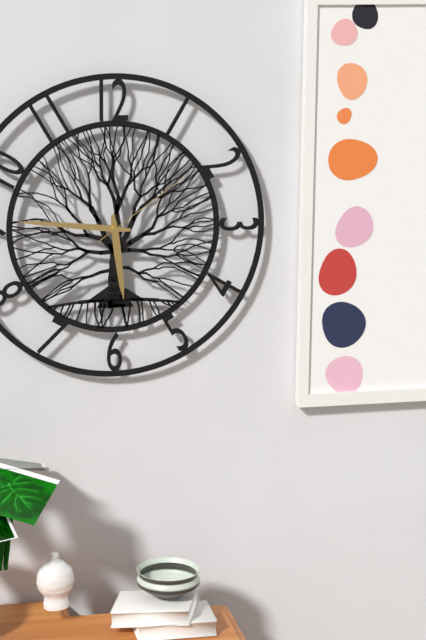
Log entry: 5 h 46 min 09 s
